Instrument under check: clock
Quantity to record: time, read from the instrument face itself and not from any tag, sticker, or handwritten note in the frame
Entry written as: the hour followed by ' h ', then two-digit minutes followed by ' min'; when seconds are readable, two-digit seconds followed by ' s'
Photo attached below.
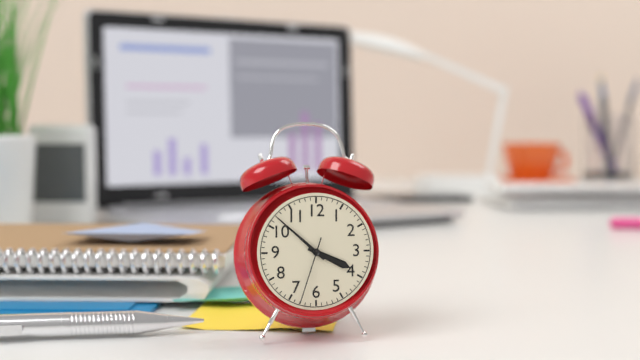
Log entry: 3 h 52 min 33 s
